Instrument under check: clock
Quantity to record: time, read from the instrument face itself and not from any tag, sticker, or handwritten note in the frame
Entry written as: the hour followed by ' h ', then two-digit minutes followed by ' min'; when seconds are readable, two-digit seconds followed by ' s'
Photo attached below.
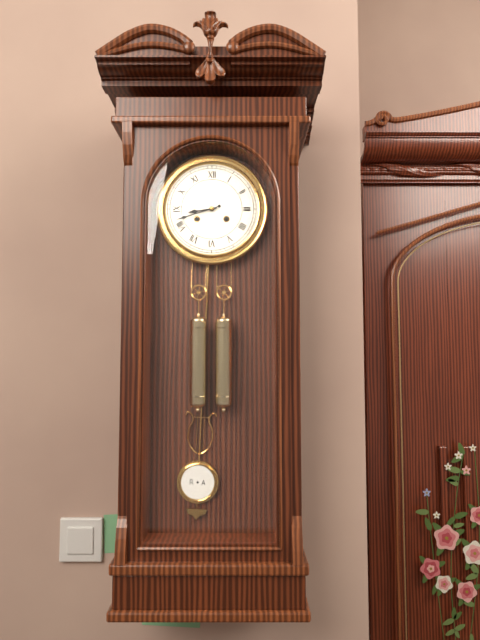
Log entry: 8 h 42 min
